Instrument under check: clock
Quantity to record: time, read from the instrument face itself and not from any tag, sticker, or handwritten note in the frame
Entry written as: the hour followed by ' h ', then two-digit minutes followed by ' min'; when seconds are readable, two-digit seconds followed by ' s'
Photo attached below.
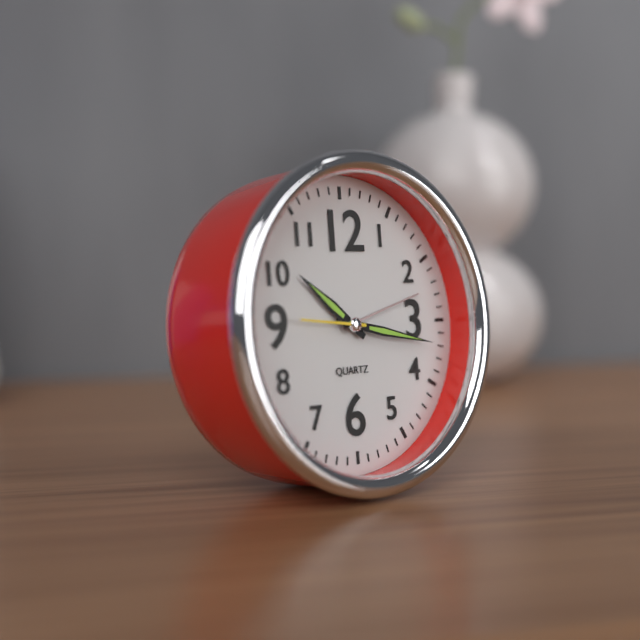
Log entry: 10 h 17 min
